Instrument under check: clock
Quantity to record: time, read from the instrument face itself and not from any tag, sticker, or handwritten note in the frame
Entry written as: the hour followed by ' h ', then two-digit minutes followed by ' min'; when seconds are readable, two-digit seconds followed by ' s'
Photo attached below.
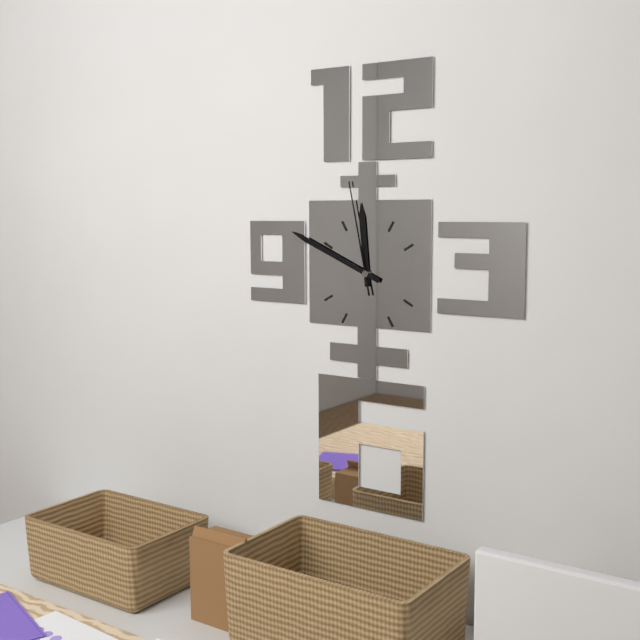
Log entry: 11 h 49 min 58 s
